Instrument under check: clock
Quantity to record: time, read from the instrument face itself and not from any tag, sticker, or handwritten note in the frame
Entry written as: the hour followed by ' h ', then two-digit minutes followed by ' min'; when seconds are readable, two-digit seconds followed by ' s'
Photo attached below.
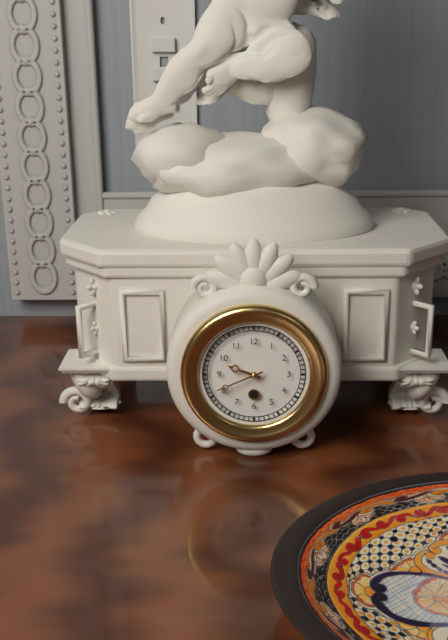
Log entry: 9 h 41 min
